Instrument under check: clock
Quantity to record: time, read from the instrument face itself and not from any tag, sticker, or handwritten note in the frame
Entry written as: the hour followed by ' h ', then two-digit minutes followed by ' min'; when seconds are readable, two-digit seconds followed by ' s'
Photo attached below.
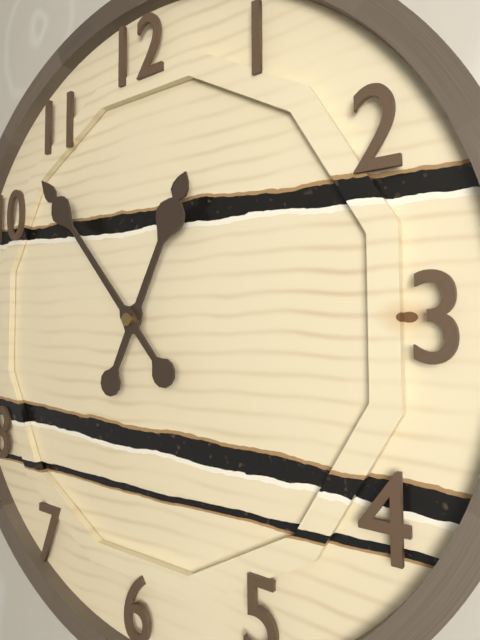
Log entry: 12 h 53 min
